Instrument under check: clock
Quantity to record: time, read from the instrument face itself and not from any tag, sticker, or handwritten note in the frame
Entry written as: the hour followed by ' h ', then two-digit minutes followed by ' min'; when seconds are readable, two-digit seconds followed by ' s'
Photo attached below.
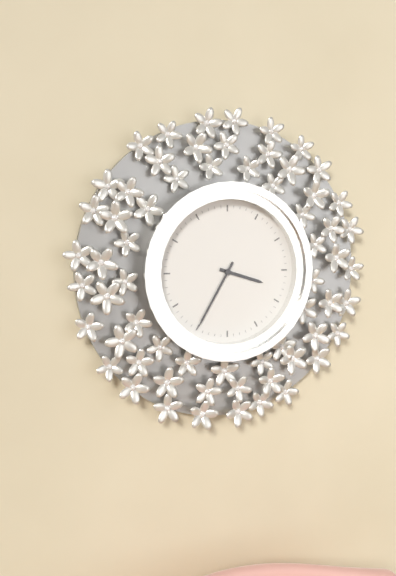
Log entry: 3 h 35 min
